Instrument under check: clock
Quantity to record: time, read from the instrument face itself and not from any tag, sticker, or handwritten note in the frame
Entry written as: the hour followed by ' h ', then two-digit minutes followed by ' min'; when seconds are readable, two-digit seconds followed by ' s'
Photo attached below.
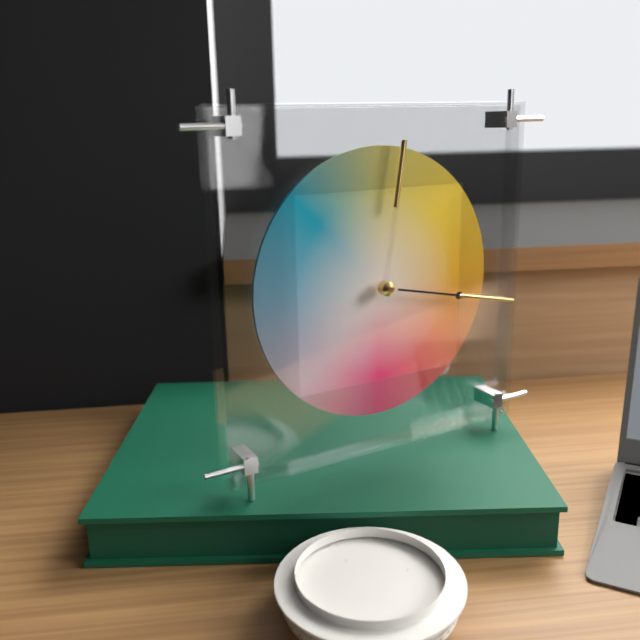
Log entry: 12 h 17 min
